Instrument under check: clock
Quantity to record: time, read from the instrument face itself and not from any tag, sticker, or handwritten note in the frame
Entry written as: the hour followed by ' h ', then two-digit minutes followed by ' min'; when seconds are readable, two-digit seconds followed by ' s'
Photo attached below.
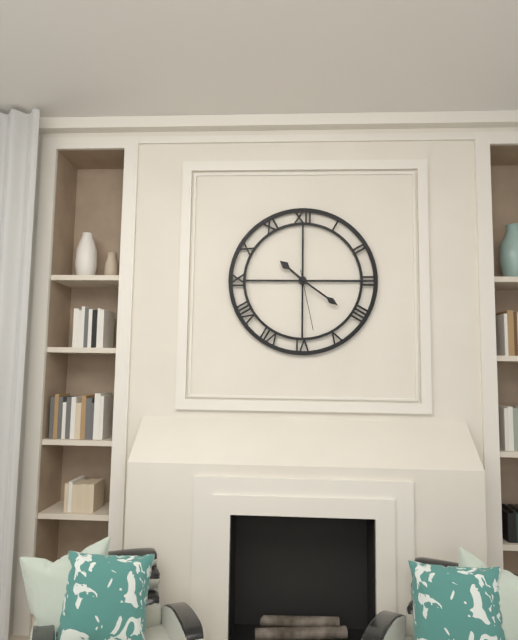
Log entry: 10 h 21 min 28 s
